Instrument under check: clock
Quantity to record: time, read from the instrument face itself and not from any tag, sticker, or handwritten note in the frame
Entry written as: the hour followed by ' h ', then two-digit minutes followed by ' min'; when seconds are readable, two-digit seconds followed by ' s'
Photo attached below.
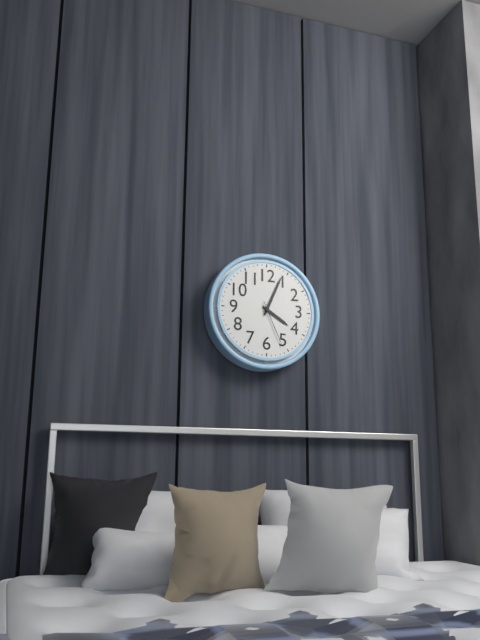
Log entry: 4 h 04 min 26 s
